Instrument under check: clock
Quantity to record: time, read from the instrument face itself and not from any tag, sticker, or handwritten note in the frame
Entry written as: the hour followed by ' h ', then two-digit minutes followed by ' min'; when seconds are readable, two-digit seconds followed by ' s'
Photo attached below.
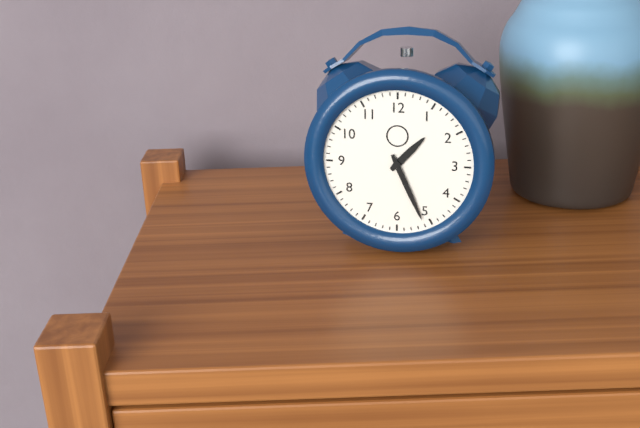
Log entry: 1 h 26 min
